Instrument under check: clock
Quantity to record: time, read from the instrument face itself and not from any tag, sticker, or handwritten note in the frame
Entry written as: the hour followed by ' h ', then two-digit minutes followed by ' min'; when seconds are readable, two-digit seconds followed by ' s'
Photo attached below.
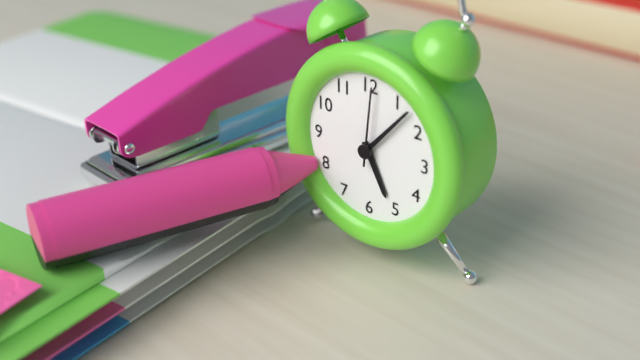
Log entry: 5 h 07 min 01 s
